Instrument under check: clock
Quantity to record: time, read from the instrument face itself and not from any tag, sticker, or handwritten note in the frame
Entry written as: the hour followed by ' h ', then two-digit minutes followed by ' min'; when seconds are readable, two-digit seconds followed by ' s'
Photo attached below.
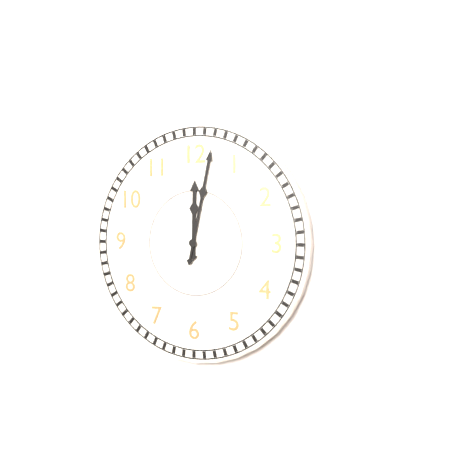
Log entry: 12 h 02 min
